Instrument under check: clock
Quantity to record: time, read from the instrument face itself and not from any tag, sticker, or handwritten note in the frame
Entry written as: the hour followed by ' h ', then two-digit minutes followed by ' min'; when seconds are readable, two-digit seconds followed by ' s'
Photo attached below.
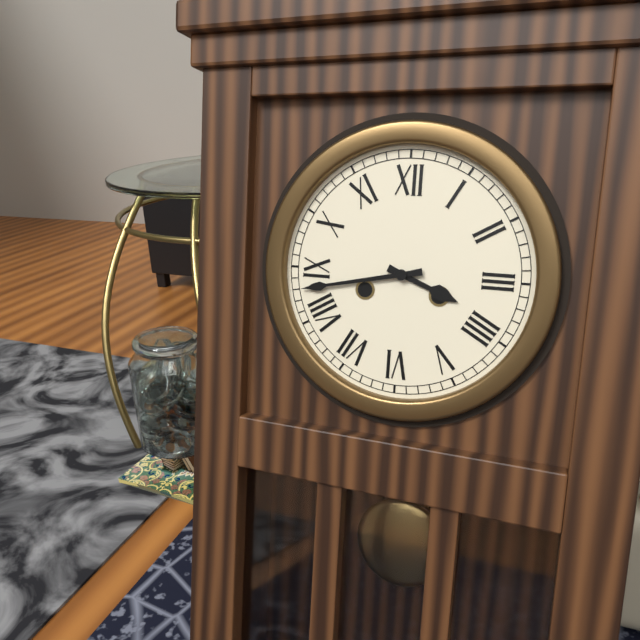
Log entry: 3 h 43 min
